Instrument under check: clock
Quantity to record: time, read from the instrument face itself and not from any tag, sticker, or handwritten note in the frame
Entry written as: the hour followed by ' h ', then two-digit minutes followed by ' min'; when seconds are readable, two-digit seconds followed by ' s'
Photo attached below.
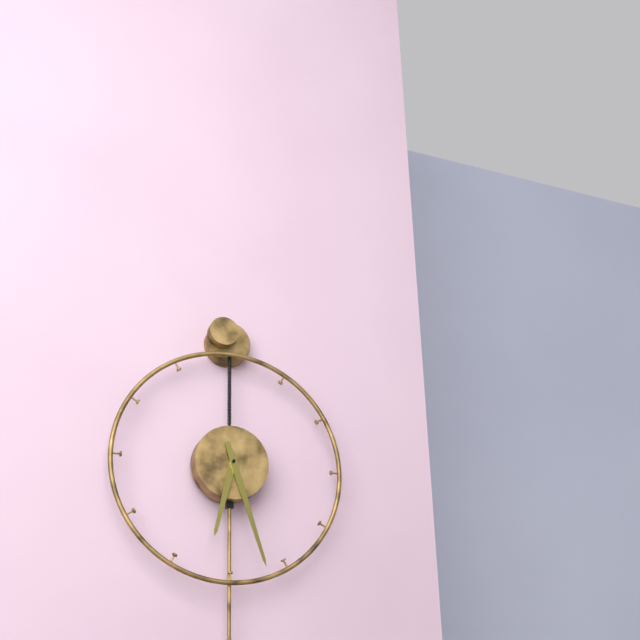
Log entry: 6 h 27 min
